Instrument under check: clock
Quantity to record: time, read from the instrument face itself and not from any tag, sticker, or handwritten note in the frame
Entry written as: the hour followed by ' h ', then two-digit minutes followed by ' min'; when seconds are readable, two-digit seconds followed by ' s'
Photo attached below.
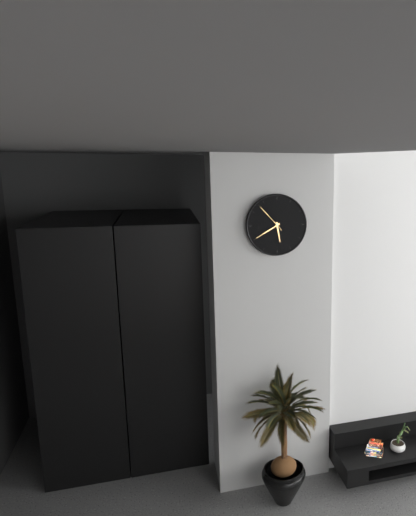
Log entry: 5 h 40 min
